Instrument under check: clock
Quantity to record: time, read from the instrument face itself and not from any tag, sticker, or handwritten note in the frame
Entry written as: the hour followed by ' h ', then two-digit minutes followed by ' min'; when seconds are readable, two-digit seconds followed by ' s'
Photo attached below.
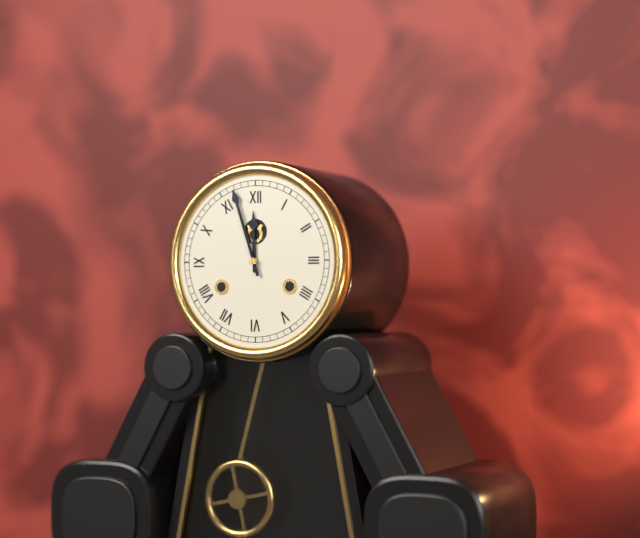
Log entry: 11 h 57 min
